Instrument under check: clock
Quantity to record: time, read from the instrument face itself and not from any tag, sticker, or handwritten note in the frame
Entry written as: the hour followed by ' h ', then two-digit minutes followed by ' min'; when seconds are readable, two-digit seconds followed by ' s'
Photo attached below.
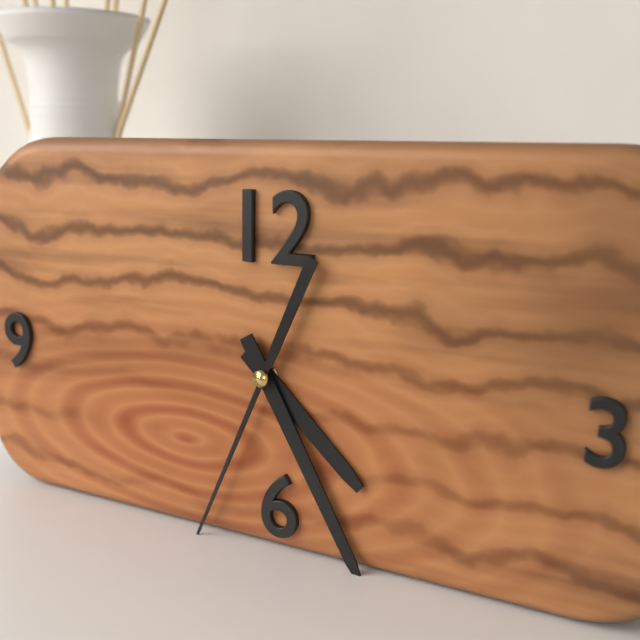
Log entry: 4 h 25 min 34 s
